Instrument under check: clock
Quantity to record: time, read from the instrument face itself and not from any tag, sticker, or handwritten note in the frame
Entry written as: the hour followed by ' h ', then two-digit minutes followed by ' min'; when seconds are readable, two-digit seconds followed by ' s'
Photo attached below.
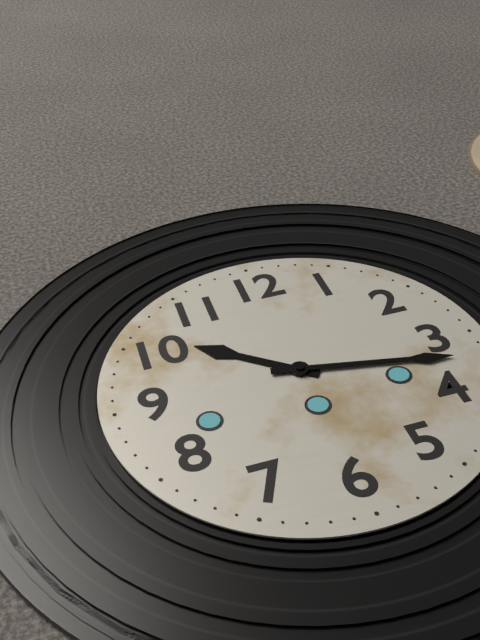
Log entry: 10 h 17 min
